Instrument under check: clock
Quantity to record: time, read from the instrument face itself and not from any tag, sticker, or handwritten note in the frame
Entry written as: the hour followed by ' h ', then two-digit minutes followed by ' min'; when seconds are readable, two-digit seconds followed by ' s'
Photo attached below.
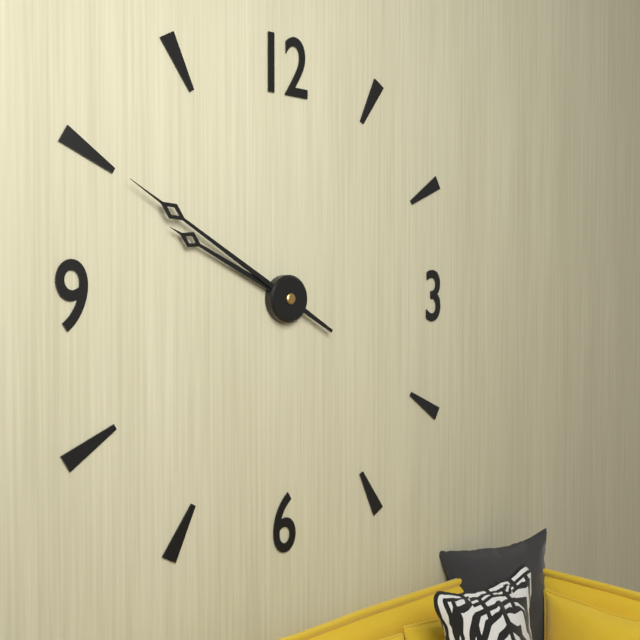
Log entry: 9 h 50 min
